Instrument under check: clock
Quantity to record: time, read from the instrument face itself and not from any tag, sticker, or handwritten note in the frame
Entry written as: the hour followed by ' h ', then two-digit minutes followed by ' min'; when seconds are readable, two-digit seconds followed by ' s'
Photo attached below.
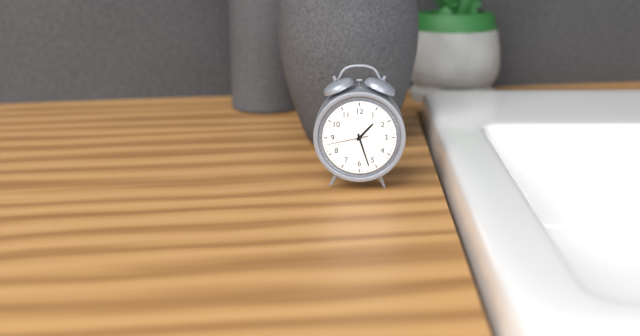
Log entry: 1 h 27 min
